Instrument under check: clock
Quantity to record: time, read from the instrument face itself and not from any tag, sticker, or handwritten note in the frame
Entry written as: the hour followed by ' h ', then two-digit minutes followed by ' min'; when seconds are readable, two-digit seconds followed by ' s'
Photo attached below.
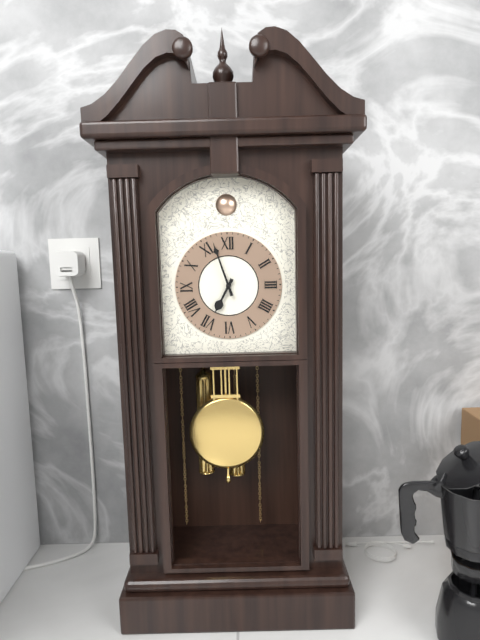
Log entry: 6 h 57 min
